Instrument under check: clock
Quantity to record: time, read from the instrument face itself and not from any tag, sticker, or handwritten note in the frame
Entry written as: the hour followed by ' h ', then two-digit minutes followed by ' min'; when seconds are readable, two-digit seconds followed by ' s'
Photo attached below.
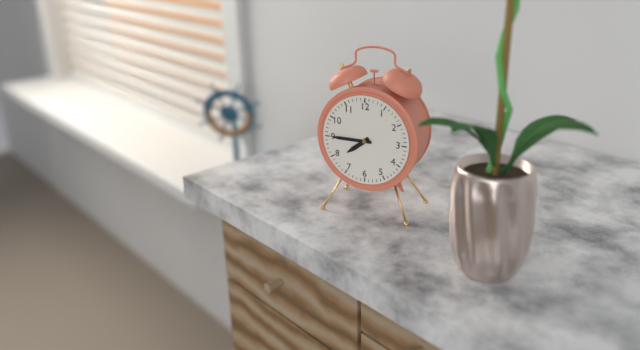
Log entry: 7 h 45 min
